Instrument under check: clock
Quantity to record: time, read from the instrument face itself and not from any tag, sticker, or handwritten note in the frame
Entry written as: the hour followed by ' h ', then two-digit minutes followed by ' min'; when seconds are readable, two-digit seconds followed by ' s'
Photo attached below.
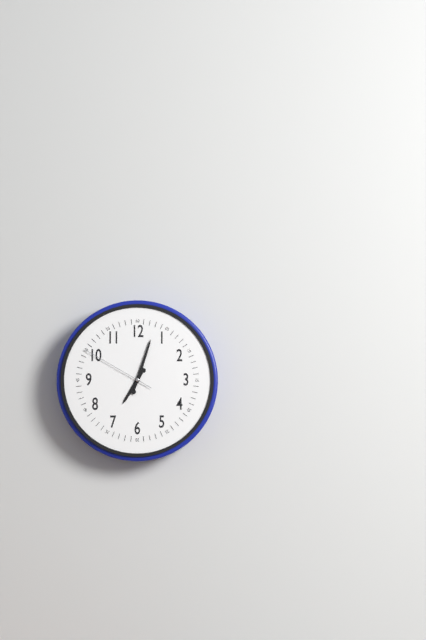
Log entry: 7 h 03 min 50 s
